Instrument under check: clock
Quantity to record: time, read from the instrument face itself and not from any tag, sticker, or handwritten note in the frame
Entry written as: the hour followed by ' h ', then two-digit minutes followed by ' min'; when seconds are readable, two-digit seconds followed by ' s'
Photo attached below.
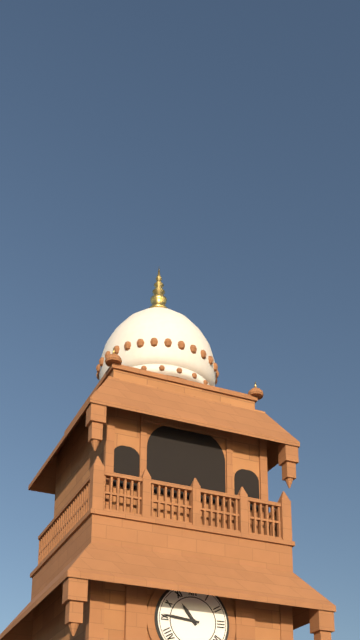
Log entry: 10 h 46 min
